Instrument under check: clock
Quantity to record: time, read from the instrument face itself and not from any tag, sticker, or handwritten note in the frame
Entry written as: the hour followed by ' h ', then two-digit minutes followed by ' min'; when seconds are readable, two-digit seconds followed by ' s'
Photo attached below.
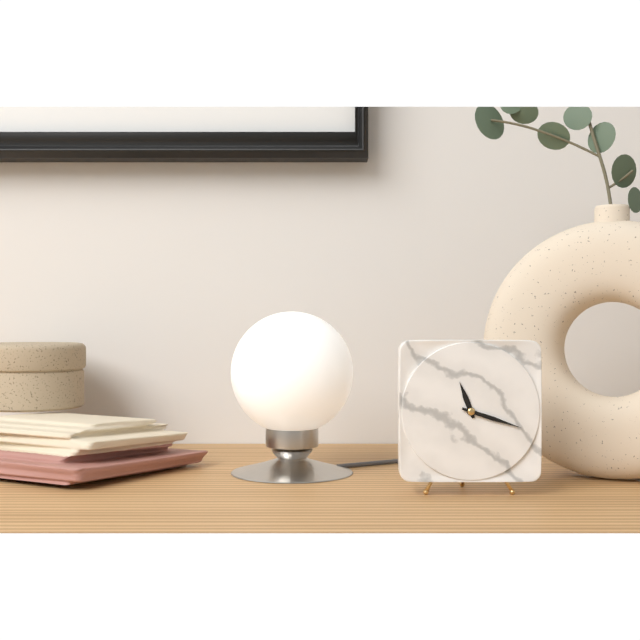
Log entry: 11 h 18 min
